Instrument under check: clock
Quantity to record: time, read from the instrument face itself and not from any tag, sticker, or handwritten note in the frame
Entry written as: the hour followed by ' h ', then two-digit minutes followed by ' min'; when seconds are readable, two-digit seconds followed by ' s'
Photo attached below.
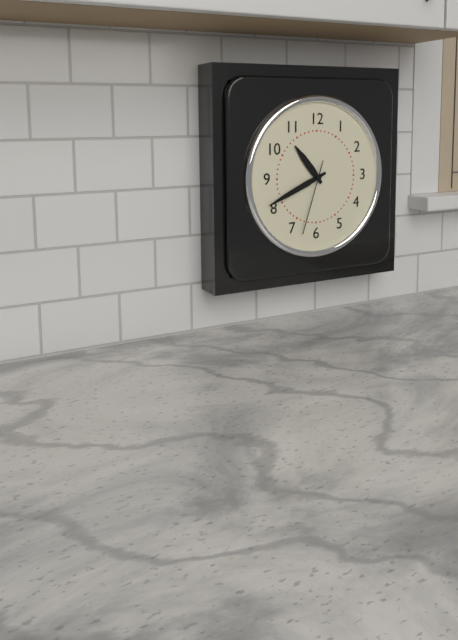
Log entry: 10 h 41 min 33 s
